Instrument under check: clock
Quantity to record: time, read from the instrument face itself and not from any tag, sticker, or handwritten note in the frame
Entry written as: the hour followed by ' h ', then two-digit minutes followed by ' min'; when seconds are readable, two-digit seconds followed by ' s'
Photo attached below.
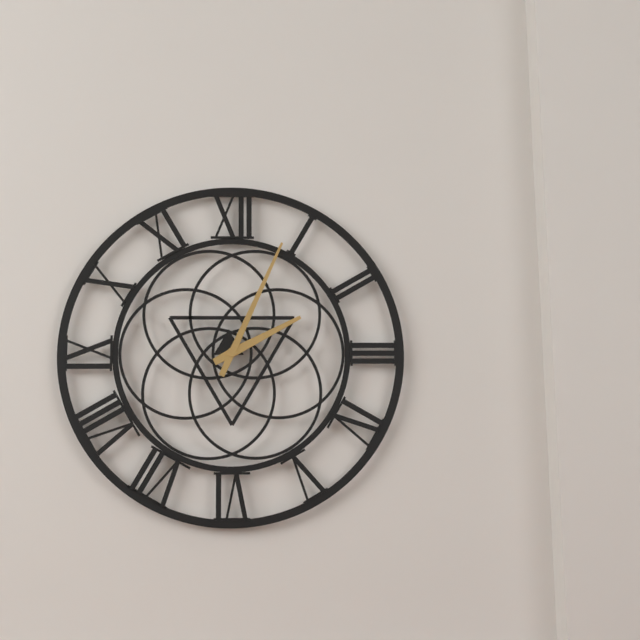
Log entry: 2 h 04 min
